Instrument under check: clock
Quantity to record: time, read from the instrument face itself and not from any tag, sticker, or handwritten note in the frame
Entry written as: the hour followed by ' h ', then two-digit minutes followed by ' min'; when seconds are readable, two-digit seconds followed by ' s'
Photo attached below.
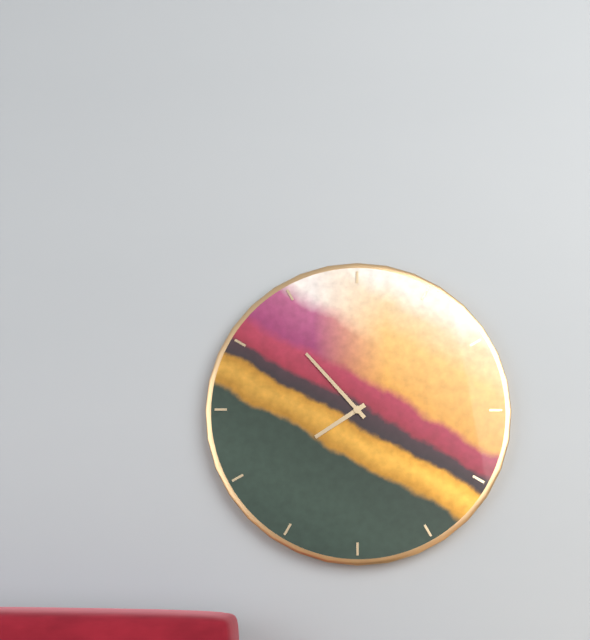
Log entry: 7 h 53 min
